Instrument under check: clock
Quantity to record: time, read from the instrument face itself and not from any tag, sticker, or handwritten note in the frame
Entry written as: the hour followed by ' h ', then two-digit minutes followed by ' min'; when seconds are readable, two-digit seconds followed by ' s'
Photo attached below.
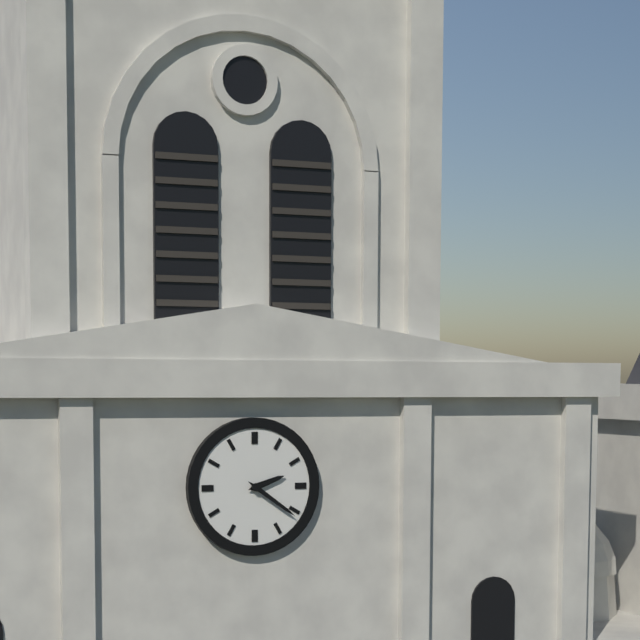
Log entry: 2 h 21 min
